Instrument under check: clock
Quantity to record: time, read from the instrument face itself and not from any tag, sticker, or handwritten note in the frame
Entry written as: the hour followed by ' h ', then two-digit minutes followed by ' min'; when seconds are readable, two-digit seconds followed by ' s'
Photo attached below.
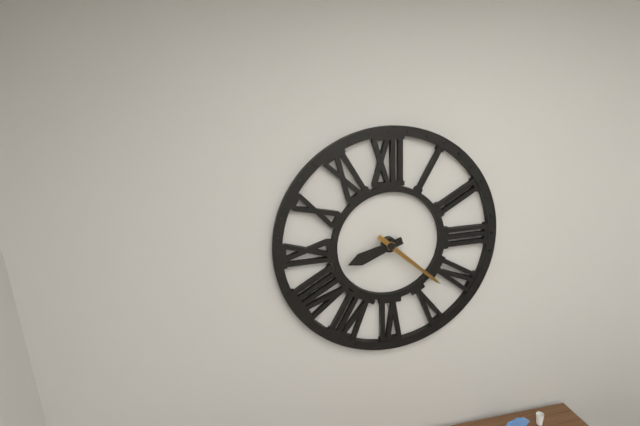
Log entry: 8 h 22 min
